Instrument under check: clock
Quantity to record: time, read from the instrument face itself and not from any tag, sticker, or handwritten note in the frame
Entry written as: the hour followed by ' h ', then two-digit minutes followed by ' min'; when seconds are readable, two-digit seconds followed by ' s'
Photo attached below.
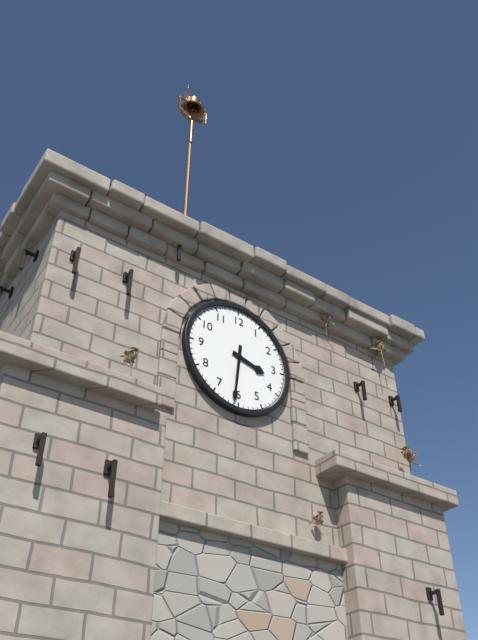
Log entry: 3 h 31 min
